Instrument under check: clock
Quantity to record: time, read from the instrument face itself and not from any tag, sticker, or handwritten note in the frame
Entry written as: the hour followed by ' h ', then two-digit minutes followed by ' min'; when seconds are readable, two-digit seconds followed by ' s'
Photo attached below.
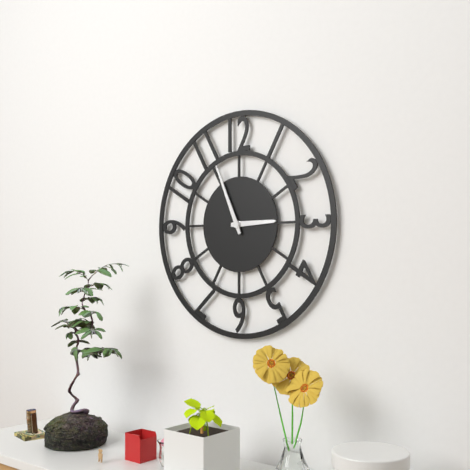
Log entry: 2 h 56 min
